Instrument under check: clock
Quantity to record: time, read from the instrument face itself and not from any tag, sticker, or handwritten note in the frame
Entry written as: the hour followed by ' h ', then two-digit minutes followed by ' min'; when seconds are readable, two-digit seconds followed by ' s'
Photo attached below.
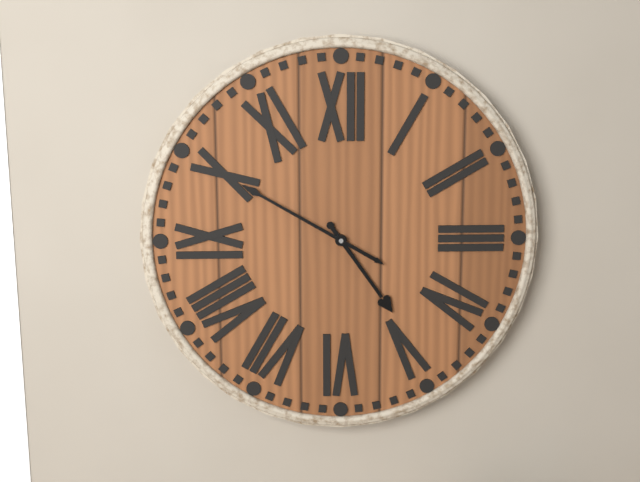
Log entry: 4 h 50 min
